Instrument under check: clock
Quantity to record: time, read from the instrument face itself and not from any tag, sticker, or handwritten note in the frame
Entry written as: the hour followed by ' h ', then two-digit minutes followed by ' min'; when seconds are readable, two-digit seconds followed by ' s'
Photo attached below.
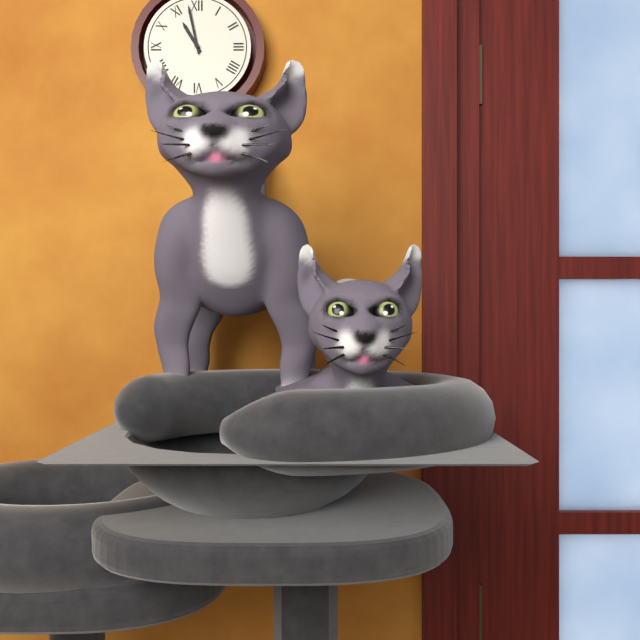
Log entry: 10 h 58 min
